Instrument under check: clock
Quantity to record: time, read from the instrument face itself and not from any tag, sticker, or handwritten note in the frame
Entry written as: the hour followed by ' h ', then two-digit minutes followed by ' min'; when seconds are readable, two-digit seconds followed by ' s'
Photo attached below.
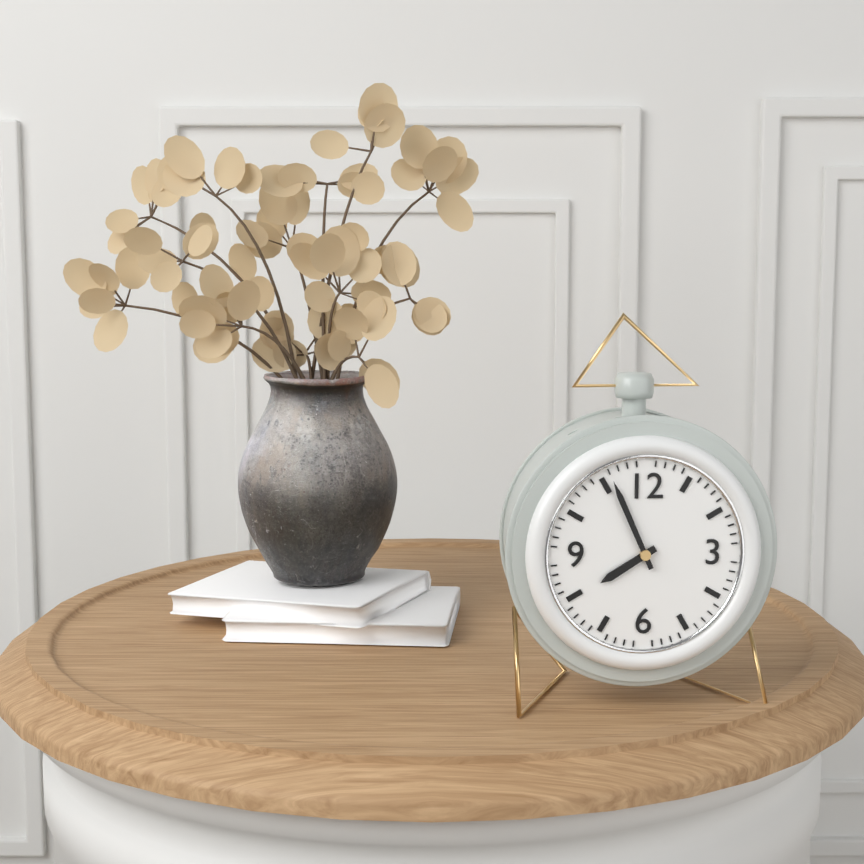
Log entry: 7 h 56 min
